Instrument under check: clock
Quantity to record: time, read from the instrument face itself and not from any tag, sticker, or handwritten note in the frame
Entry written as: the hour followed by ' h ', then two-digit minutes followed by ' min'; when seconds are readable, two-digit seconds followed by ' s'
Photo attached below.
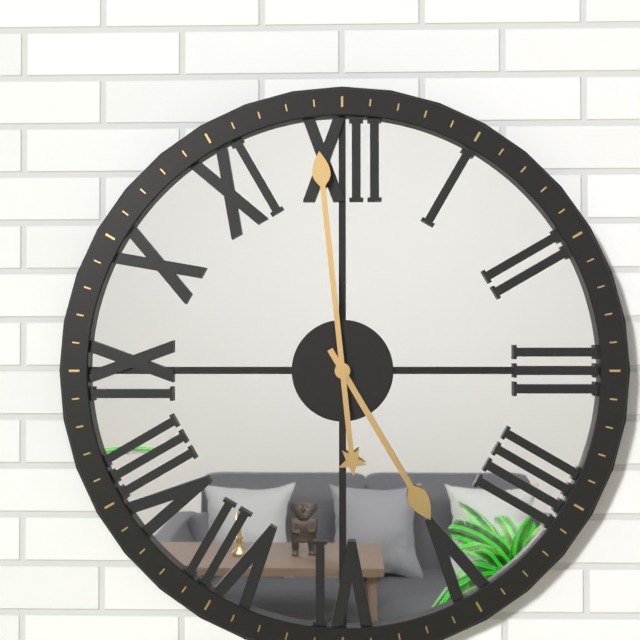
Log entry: 4 h 59 min
